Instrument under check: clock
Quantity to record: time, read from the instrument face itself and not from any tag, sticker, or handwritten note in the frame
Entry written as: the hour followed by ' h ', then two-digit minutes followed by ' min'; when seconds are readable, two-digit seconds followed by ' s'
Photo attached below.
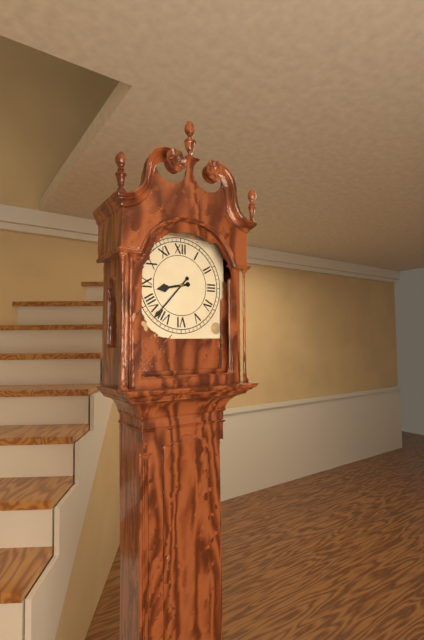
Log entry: 8 h 37 min
